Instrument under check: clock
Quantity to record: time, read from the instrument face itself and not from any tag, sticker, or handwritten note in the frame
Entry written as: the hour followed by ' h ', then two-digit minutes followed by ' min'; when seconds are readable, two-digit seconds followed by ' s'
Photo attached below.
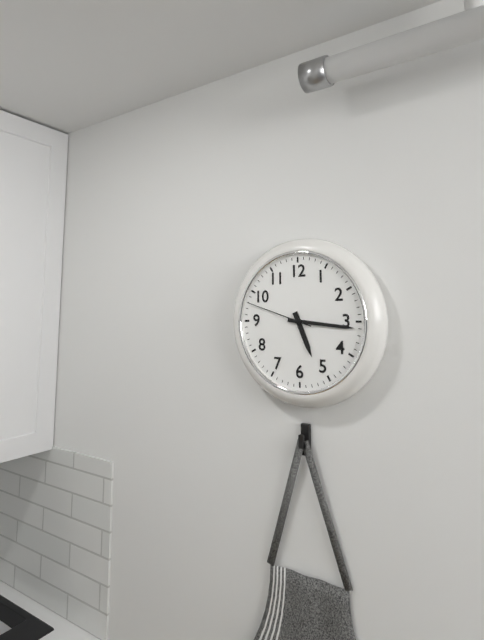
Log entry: 5 h 16 min 48 s
